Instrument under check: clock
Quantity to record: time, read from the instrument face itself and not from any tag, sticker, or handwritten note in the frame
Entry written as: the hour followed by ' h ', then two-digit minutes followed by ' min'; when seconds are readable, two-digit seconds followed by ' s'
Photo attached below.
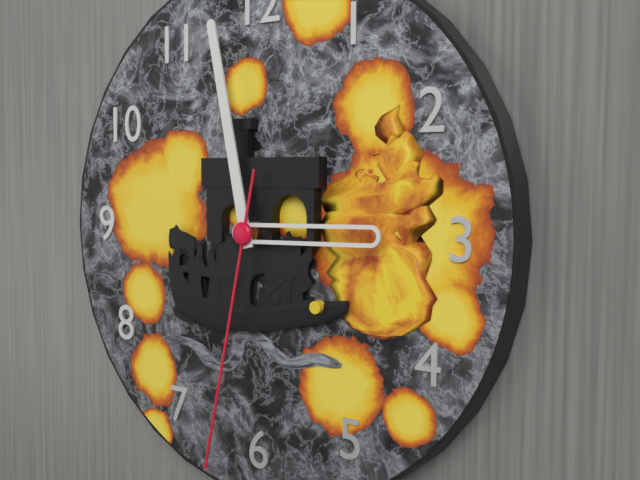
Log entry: 2 h 58 min 32 s
